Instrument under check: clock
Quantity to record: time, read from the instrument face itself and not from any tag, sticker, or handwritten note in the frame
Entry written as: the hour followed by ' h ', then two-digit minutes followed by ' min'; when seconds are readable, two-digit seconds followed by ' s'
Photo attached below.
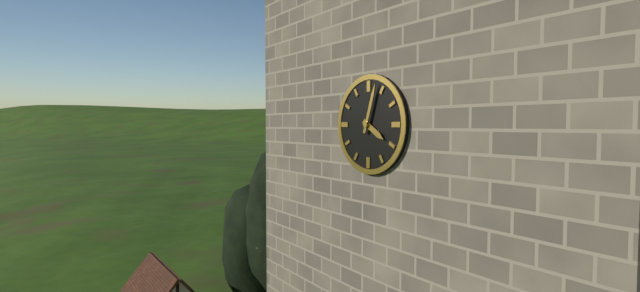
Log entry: 4 h 03 min
